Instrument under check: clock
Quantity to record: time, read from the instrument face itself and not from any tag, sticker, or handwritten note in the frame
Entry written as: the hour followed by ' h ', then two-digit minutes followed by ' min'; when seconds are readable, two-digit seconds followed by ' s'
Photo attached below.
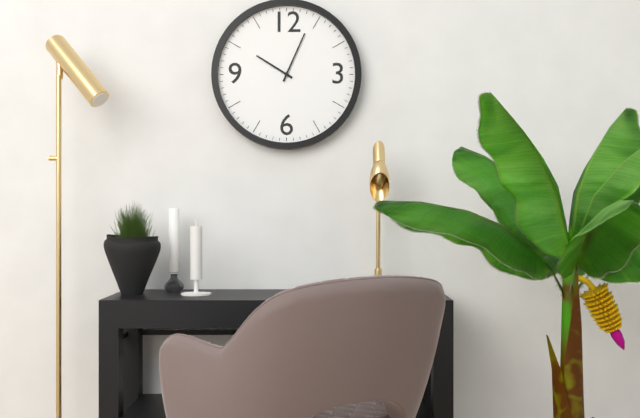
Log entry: 10 h 04 min
